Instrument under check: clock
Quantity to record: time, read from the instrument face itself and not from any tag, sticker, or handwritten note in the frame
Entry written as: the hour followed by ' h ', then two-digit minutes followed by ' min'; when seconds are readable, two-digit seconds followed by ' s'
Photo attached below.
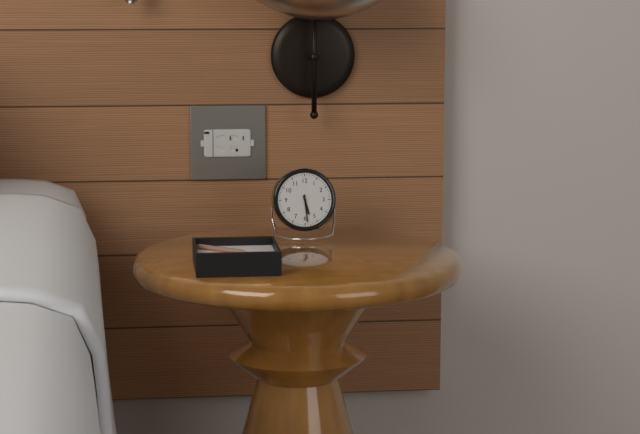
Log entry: 5 h 29 min
